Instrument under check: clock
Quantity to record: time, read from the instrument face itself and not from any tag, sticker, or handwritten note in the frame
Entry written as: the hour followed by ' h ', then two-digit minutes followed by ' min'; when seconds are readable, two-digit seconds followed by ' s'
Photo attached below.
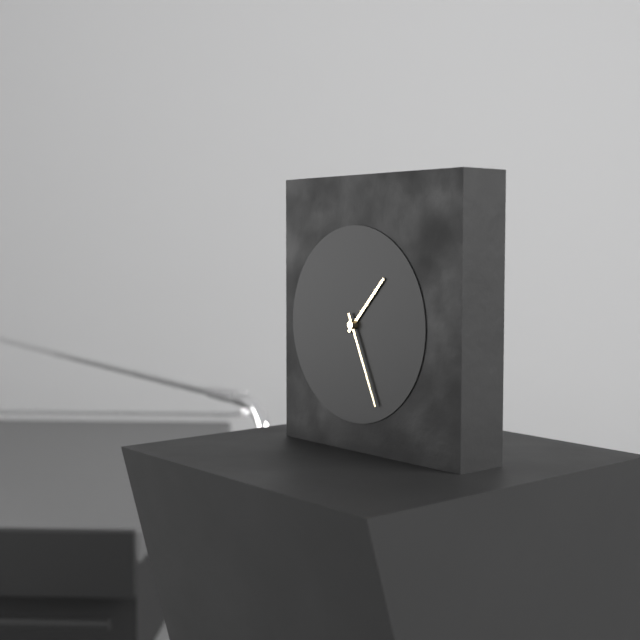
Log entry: 1 h 26 min
